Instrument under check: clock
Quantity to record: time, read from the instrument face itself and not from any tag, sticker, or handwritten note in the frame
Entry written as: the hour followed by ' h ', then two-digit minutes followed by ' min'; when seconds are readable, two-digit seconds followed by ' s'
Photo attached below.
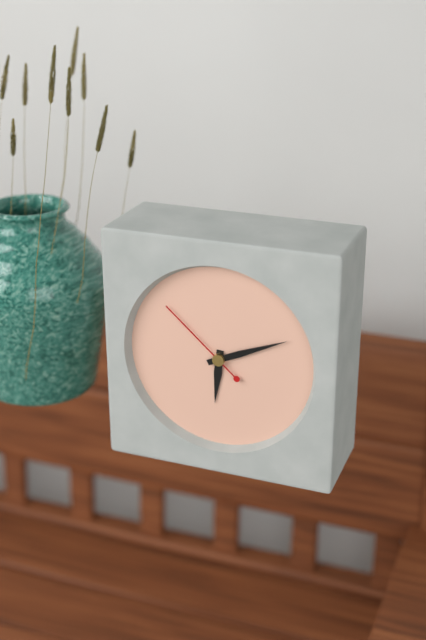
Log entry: 6 h 11 min 52 s
